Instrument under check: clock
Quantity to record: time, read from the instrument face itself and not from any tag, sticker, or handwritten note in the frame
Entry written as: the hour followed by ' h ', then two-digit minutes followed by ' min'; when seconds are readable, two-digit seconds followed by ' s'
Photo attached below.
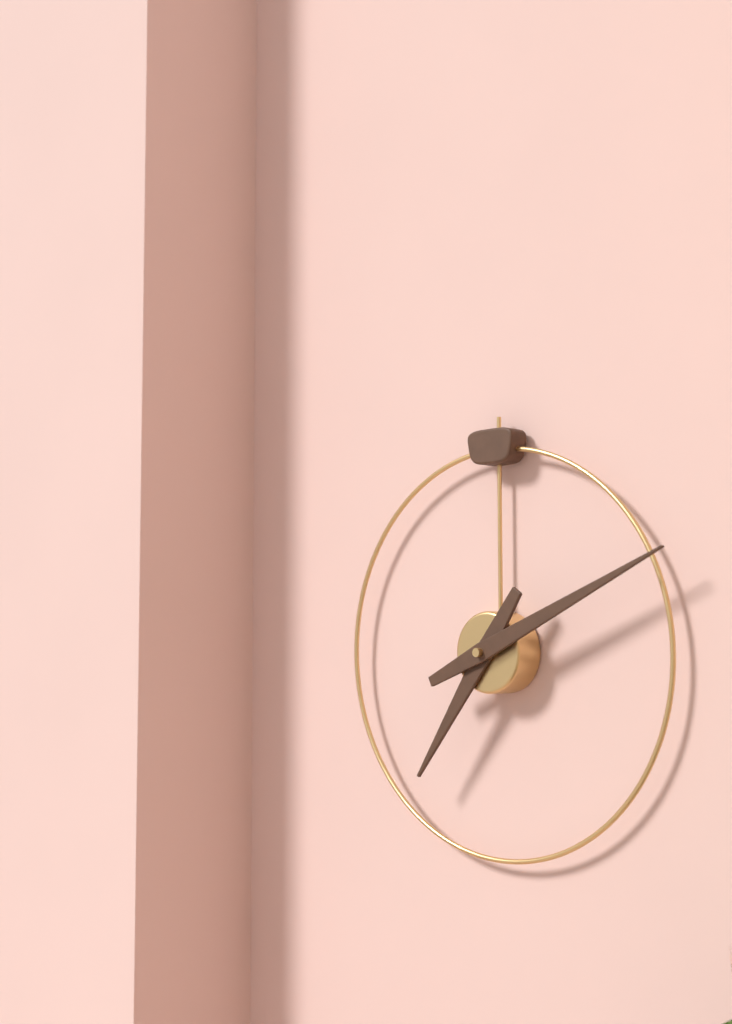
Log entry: 7 h 11 min
